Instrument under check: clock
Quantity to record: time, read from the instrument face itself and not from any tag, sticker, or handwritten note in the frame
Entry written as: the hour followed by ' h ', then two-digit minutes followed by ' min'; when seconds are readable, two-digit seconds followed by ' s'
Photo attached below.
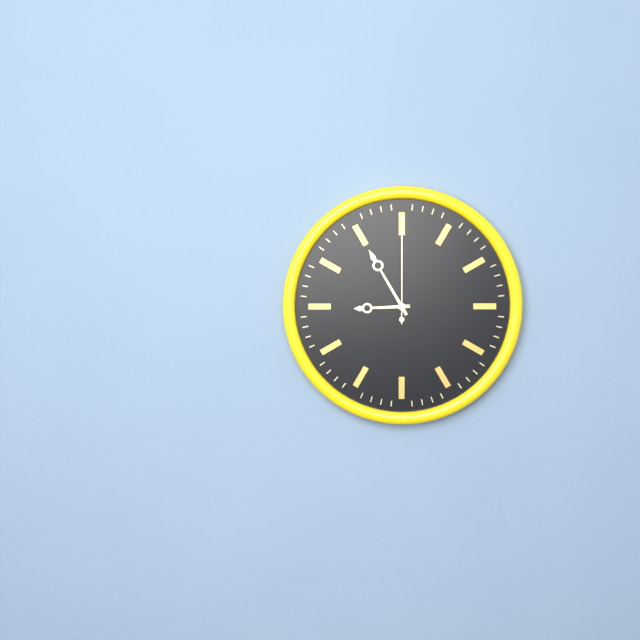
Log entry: 8 h 55 min 00 s
